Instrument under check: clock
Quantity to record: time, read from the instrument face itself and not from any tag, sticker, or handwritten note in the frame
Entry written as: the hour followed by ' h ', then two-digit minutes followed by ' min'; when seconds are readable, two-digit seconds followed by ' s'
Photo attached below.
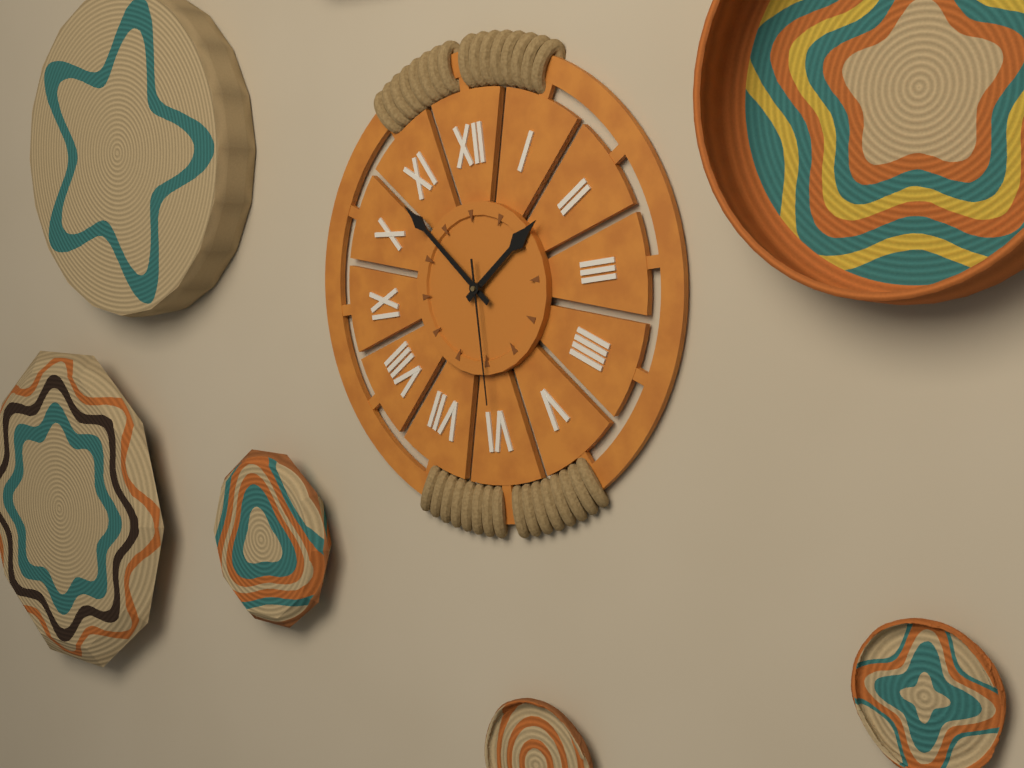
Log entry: 1 h 53 min 30 s
